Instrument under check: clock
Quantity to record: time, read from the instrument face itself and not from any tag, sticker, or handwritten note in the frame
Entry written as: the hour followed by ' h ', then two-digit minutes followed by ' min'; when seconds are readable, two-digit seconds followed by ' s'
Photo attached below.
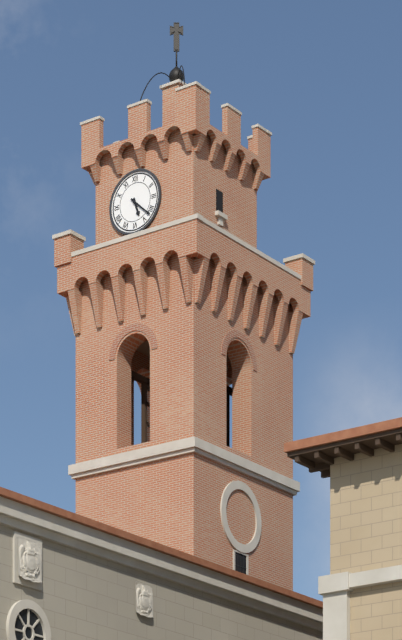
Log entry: 5 h 22 min
